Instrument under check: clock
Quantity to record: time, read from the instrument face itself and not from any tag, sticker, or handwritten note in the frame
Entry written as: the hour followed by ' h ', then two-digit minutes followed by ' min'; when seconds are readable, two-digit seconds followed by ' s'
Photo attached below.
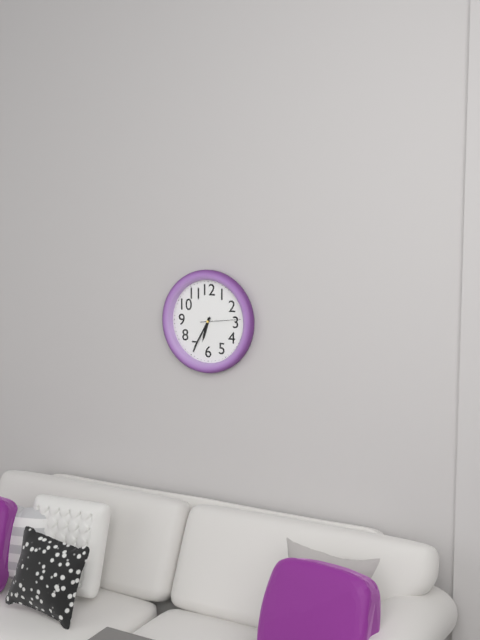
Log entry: 6 h 35 min
